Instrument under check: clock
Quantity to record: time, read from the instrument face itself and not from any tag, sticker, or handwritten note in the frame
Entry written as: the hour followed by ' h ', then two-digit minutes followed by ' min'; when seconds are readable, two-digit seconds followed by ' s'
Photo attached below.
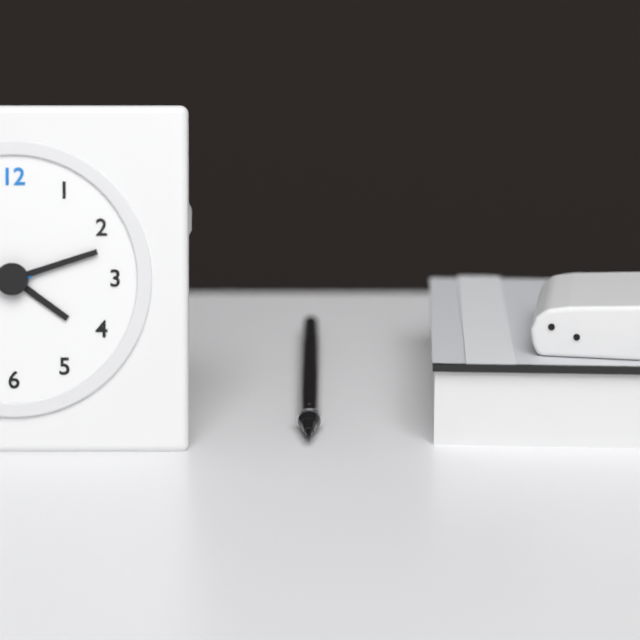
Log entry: 4 h 12 min
